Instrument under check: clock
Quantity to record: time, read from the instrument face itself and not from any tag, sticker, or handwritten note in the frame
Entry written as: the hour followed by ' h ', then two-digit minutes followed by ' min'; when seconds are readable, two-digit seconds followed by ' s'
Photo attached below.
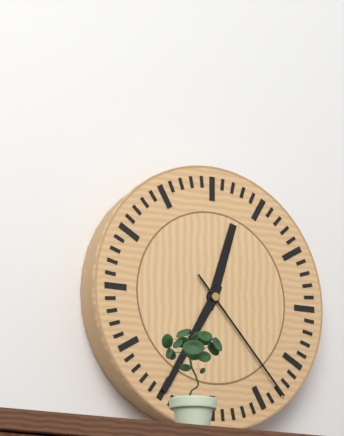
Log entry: 12 h 35 min 23 s
